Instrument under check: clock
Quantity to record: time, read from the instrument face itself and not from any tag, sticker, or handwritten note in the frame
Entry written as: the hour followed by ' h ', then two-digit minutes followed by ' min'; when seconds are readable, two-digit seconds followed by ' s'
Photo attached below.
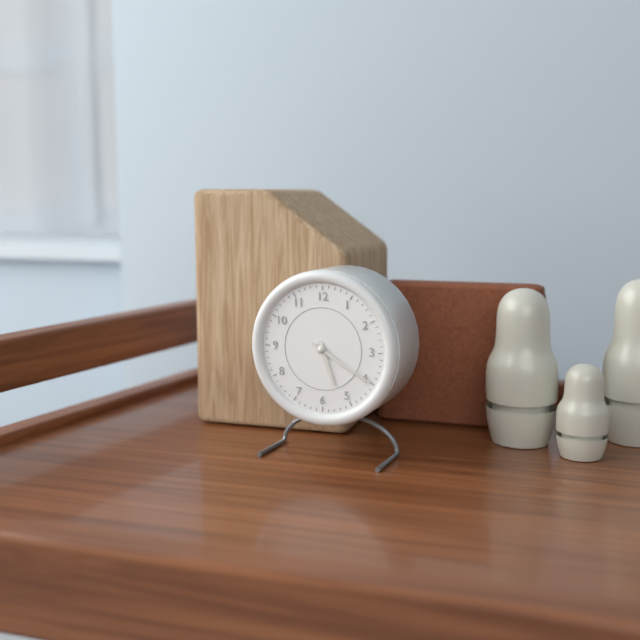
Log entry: 5 h 20 min
